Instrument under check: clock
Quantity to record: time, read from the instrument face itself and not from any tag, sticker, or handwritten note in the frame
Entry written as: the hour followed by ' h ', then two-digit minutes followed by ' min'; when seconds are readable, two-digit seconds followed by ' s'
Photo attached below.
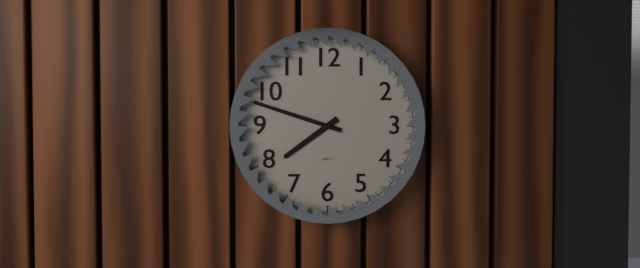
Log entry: 7 h 48 min
